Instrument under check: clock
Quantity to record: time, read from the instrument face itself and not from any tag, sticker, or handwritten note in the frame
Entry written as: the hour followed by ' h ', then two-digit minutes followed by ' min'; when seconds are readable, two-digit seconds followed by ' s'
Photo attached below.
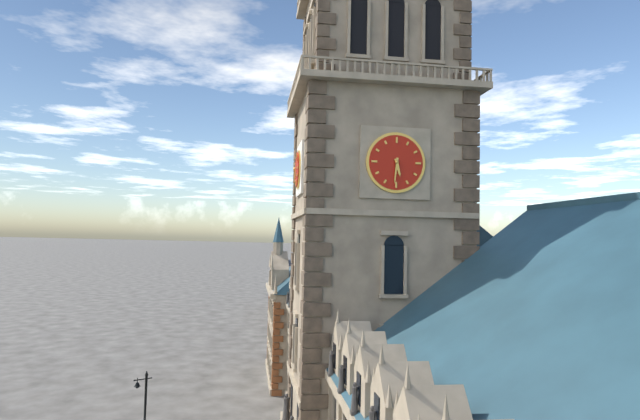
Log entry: 5 h 31 min
